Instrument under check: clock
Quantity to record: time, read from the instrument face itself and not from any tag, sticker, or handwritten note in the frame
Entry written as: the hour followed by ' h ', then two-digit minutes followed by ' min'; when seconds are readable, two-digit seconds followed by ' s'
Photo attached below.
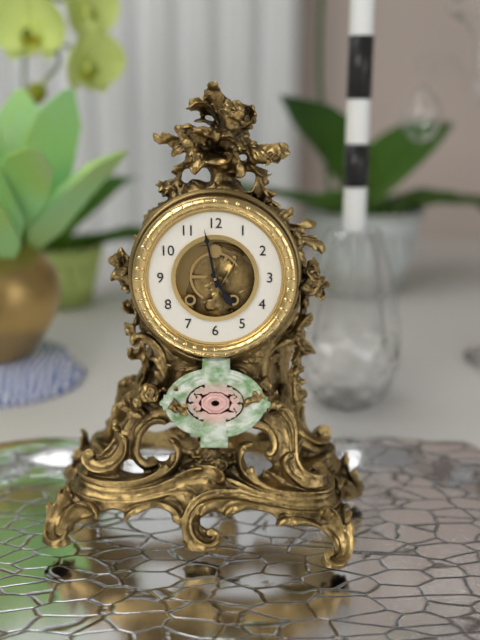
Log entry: 4 h 58 min
